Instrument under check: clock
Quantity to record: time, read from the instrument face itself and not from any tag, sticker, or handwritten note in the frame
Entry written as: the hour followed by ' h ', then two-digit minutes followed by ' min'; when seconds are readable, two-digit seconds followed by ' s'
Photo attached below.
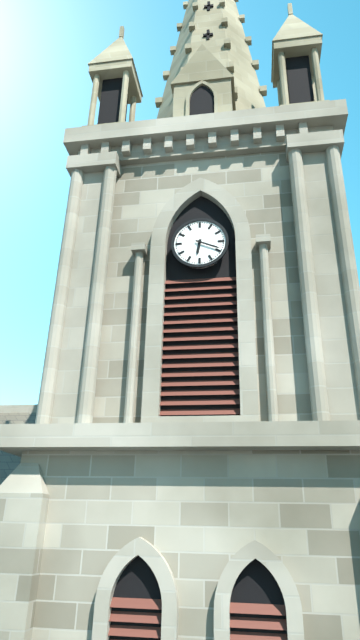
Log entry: 6 h 19 min
